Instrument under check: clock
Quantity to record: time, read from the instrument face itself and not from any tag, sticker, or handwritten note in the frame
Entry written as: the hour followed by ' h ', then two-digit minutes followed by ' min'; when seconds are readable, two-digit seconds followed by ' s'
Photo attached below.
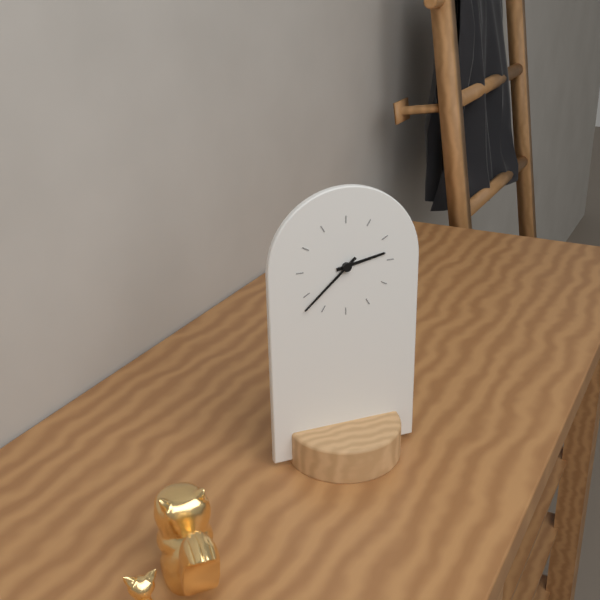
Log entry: 2 h 38 min
